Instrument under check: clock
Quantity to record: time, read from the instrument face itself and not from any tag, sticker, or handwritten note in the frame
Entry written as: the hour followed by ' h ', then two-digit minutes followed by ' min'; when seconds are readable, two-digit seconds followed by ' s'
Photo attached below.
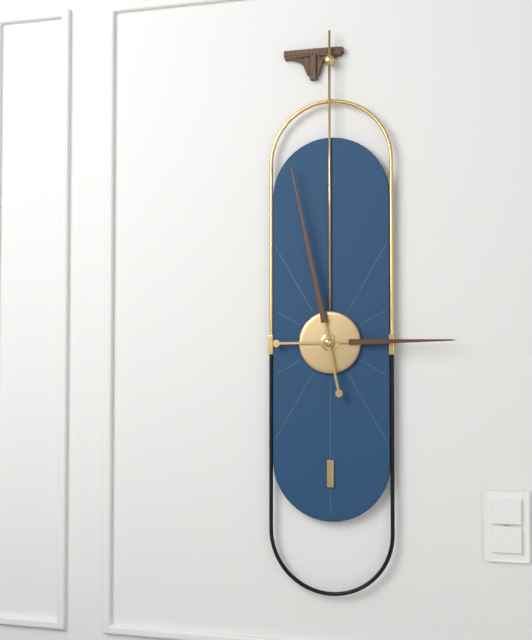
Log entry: 2 h 58 min
